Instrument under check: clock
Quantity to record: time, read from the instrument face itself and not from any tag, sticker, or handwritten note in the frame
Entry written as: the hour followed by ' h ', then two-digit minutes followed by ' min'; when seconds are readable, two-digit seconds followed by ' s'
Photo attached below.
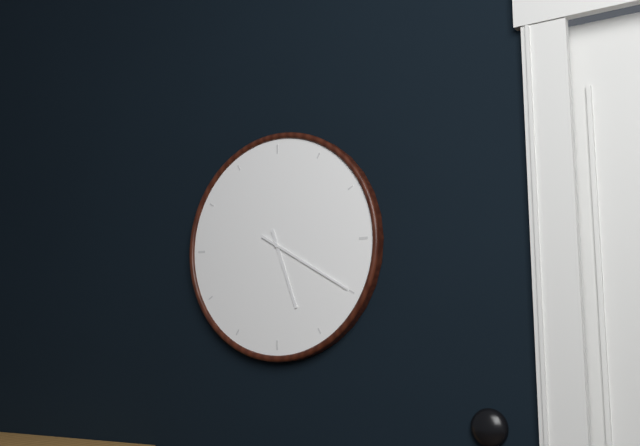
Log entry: 5 h 20 min
